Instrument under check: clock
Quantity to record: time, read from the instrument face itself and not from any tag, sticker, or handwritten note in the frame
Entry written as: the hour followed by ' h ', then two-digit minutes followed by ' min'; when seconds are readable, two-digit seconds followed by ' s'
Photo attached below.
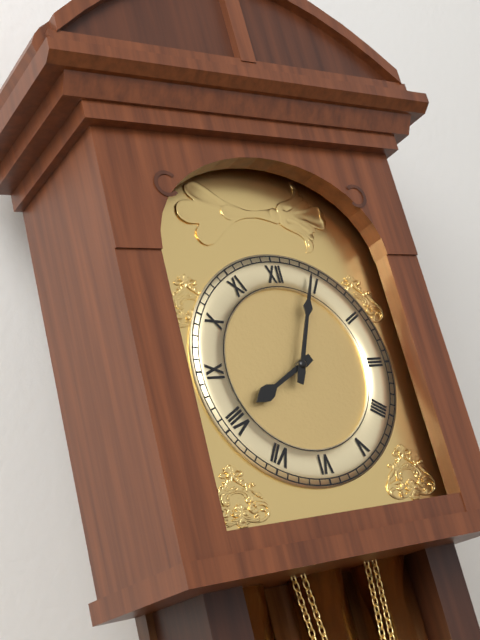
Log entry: 8 h 04 min
